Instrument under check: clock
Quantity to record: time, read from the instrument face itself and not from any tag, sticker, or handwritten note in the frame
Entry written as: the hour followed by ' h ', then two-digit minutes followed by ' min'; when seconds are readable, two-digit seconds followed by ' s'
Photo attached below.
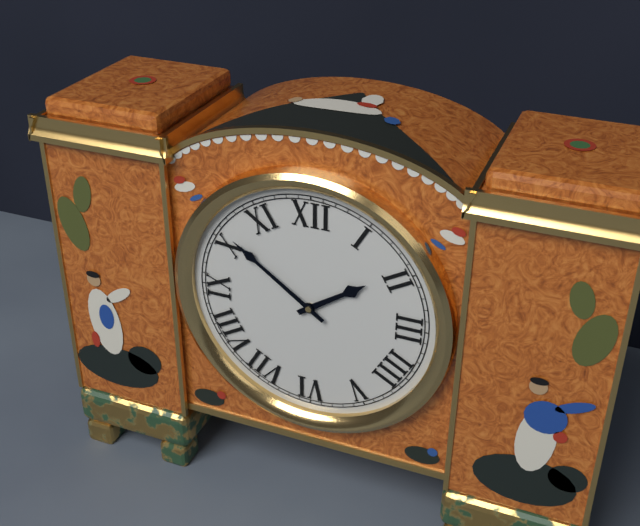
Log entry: 1 h 51 min
